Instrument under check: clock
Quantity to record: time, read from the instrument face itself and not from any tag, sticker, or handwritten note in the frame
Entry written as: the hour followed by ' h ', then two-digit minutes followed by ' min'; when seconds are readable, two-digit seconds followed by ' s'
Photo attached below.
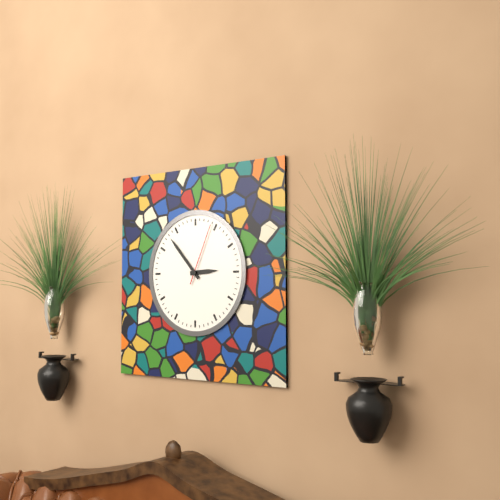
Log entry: 2 h 53 min 04 s
